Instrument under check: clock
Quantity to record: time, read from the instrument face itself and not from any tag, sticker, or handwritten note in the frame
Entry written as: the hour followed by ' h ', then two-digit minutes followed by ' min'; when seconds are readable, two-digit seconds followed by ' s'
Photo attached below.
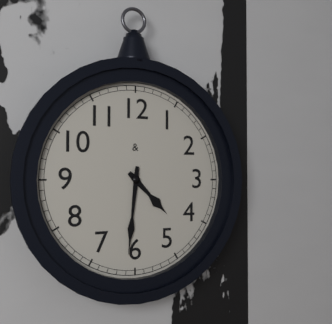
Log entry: 4 h 31 min
